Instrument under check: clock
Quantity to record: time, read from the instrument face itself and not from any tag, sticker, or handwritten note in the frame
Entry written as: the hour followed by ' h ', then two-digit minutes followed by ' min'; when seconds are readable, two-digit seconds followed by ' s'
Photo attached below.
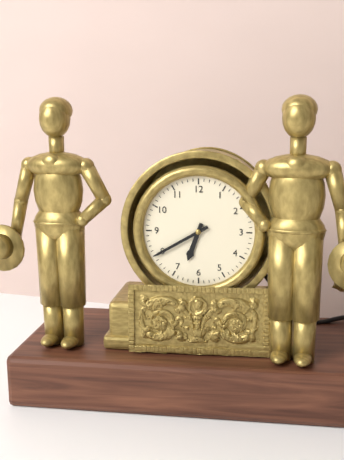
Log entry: 6 h 40 min
